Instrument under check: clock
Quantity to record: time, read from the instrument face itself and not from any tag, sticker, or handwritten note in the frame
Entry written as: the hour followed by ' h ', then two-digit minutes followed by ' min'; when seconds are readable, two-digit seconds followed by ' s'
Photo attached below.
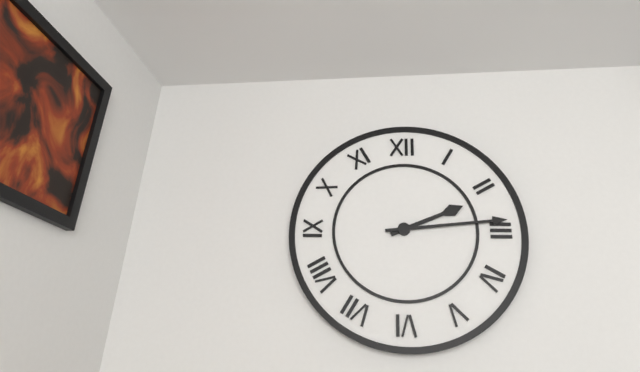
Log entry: 2 h 14 min
